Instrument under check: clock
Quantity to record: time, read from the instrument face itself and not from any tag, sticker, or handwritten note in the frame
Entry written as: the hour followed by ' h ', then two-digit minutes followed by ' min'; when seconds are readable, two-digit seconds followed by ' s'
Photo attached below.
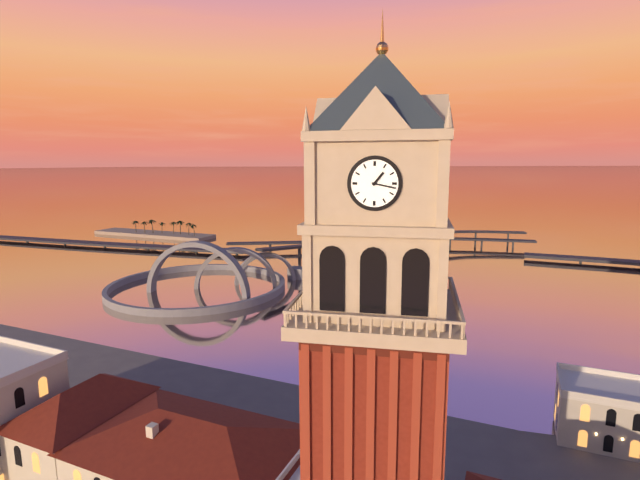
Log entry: 1 h 17 min
